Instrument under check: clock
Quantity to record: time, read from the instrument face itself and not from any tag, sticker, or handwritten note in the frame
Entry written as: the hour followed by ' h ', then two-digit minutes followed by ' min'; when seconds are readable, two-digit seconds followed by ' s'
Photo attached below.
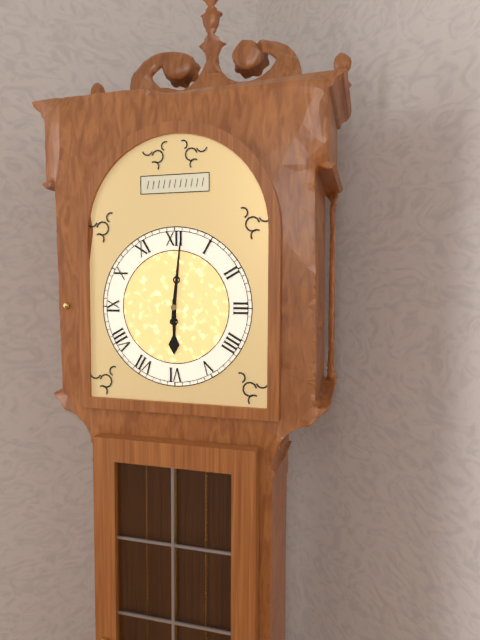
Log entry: 6 h 01 min
